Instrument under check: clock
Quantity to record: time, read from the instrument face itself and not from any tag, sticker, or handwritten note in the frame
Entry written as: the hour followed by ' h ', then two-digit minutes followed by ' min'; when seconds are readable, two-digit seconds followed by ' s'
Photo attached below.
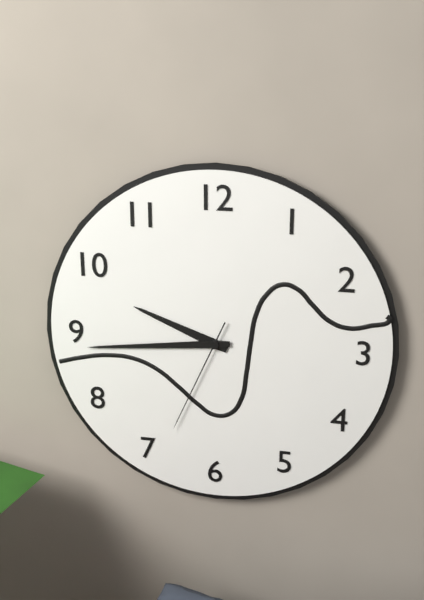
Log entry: 9 h 44 min 34 s
